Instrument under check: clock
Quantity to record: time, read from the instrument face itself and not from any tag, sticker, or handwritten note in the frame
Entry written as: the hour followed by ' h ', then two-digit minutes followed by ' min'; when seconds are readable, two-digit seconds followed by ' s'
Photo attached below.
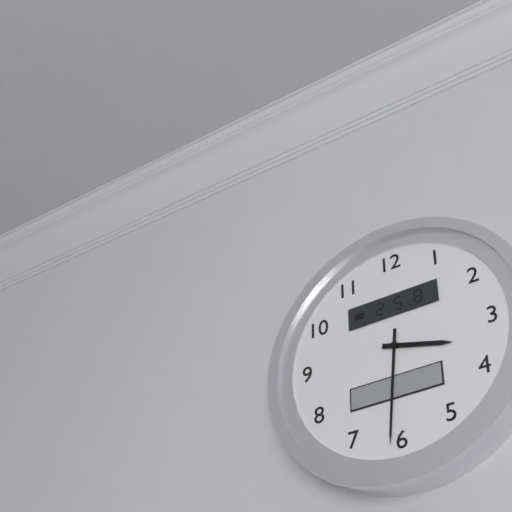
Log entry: 3 h 31 min
